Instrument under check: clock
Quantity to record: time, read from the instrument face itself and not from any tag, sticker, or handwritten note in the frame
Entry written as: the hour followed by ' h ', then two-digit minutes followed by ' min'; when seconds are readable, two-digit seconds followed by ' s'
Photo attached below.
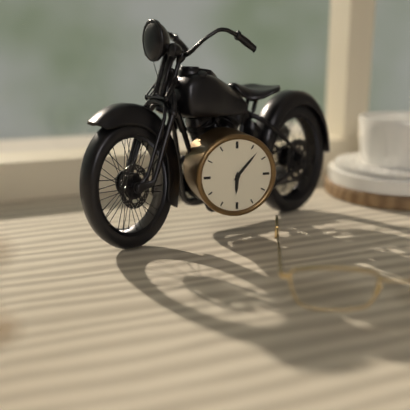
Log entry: 6 h 07 min
